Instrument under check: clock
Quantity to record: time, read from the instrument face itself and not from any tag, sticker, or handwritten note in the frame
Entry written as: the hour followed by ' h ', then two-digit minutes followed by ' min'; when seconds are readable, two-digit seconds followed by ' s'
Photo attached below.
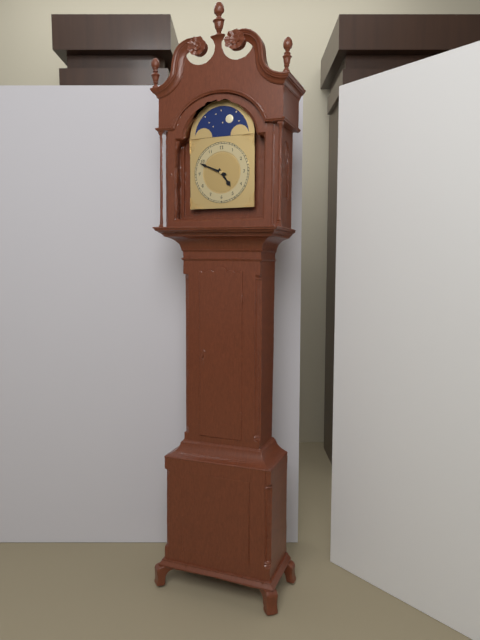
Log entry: 4 h 49 min
